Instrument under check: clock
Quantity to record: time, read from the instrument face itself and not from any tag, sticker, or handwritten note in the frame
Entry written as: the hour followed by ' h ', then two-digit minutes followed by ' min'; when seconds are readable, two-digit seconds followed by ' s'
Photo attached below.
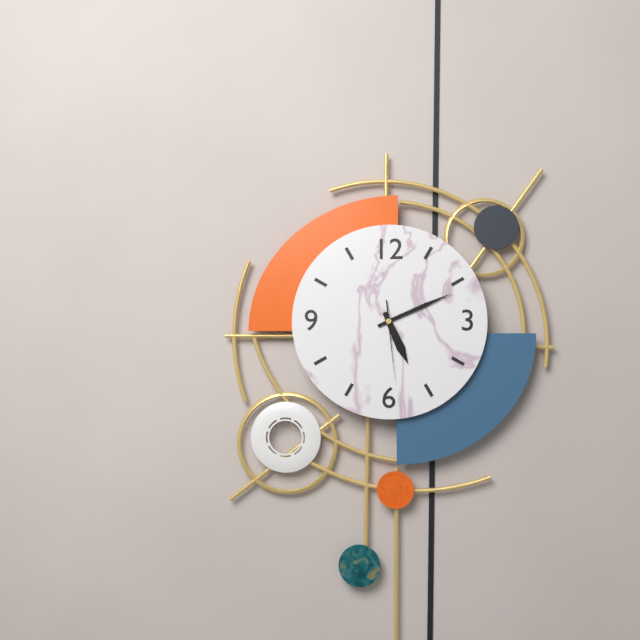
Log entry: 5 h 11 min 29 s
